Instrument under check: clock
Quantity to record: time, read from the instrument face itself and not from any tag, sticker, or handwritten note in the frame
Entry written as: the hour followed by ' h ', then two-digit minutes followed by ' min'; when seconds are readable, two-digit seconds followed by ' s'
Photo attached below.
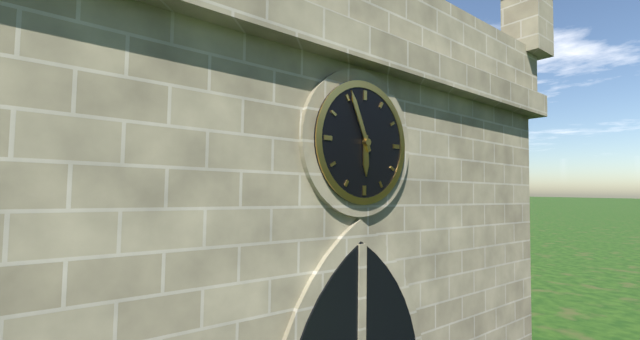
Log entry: 5 h 56 min
